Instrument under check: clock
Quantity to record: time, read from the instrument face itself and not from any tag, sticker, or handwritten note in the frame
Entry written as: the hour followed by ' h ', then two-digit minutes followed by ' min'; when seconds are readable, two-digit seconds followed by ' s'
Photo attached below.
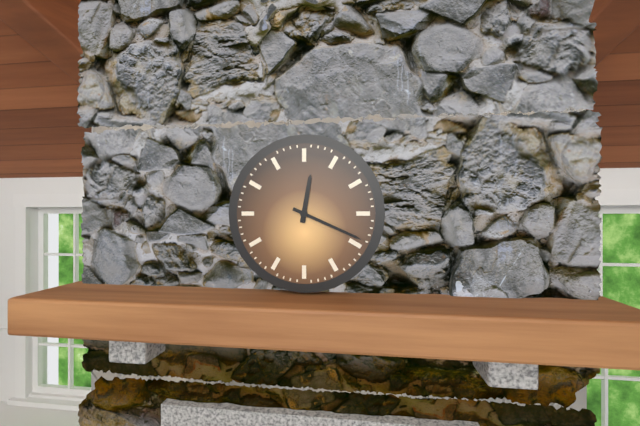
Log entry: 12 h 19 min
